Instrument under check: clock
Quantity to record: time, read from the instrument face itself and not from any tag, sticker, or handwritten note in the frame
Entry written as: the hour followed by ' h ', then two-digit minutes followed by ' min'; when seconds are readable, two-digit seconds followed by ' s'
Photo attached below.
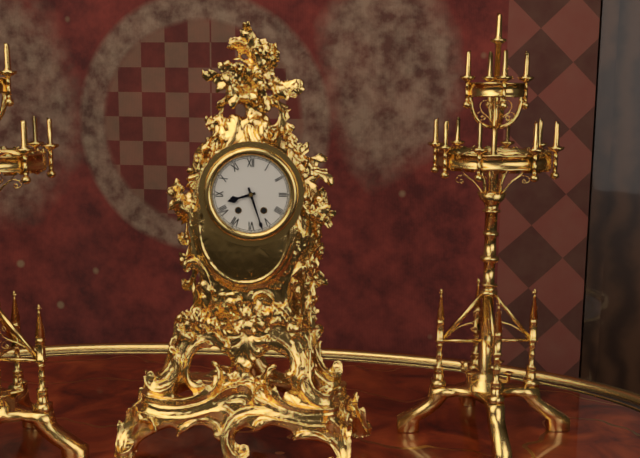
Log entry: 8 h 27 min
